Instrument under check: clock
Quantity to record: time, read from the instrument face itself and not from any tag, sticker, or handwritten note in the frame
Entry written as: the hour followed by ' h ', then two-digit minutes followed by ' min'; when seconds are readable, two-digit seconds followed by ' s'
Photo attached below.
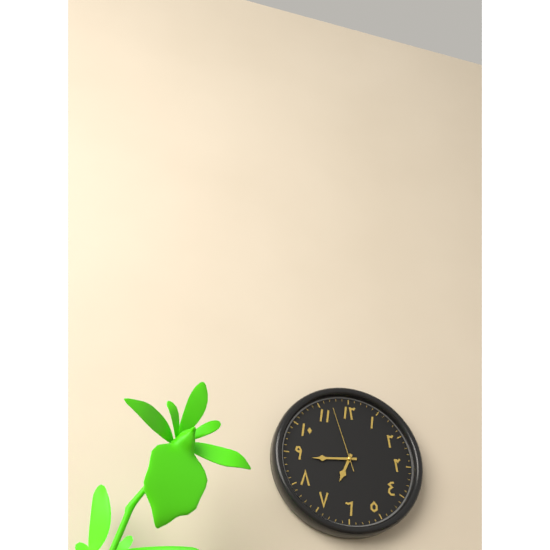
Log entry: 6 h 44 min 57 s
